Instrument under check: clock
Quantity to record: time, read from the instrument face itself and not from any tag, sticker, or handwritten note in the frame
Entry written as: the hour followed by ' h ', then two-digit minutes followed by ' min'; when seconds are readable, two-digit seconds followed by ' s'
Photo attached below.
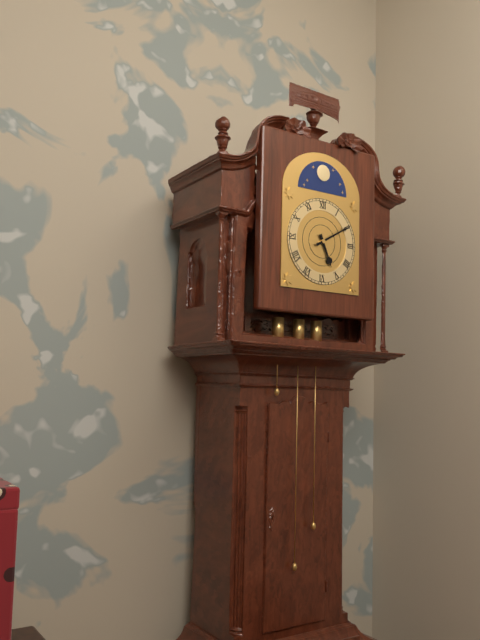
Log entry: 5 h 10 min
